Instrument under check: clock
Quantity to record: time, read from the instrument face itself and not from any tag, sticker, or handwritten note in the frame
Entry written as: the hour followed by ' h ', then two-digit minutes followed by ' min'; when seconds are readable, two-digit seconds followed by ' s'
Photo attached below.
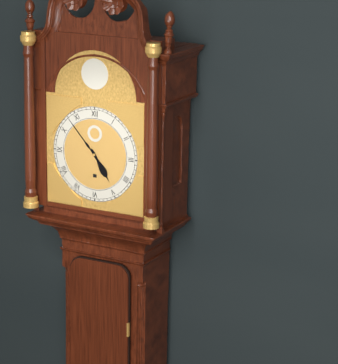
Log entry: 4 h 53 min
